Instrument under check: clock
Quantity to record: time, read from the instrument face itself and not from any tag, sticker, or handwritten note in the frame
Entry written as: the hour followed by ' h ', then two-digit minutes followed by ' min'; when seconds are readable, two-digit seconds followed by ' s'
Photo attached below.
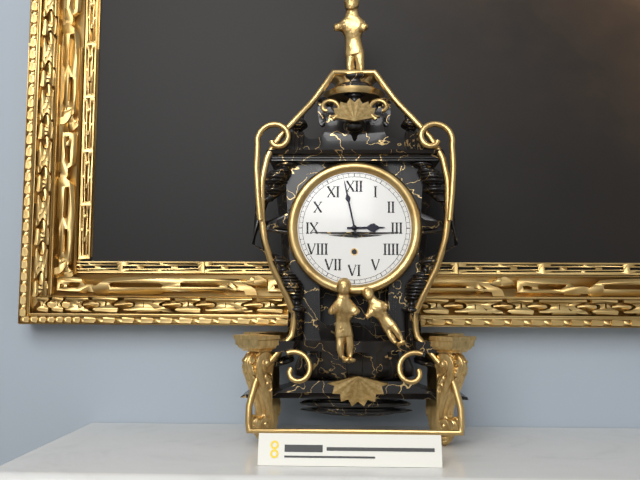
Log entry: 2 h 58 min
